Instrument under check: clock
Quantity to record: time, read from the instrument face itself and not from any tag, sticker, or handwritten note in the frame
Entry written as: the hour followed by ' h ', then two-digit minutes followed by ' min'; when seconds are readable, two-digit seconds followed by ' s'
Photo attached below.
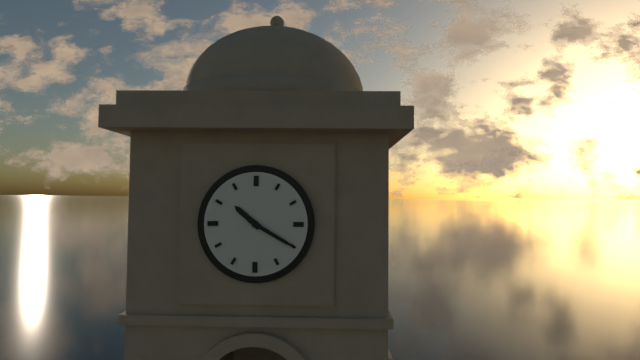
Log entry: 10 h 20 min
